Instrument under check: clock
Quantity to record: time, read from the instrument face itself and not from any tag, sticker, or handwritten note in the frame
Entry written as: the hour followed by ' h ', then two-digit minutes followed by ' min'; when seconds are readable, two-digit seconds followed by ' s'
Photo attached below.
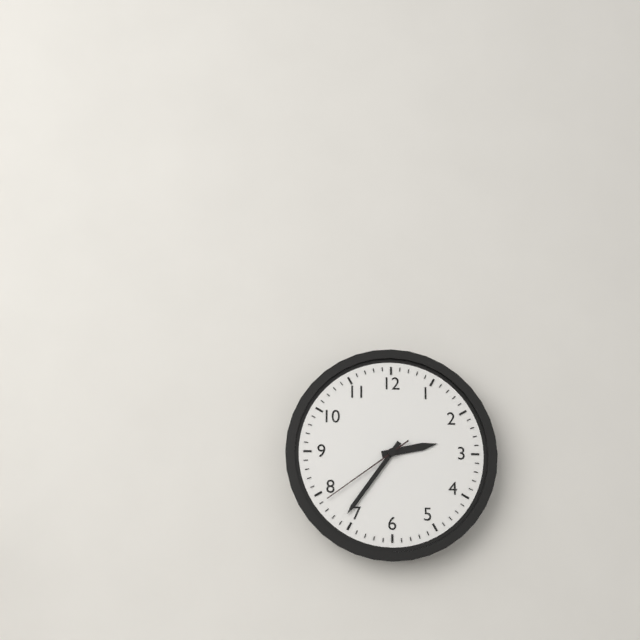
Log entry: 2 h 36 min 39 s
